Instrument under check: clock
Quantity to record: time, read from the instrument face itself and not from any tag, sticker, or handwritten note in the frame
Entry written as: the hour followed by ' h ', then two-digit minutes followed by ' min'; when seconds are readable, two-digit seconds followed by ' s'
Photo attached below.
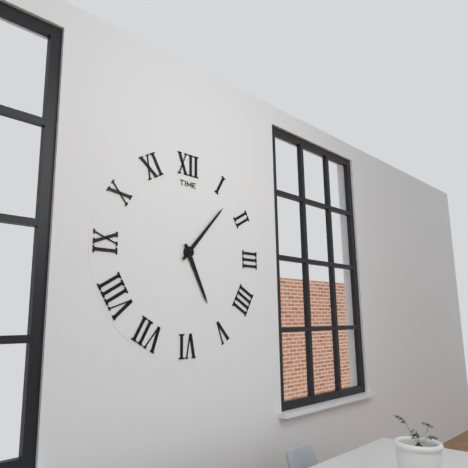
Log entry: 5 h 07 min
